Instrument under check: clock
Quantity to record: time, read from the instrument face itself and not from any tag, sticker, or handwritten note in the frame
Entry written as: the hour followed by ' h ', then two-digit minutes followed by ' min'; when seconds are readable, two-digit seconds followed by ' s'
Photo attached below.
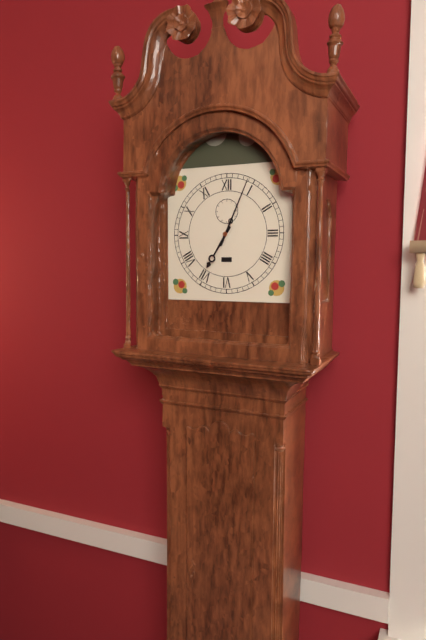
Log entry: 7 h 04 min
